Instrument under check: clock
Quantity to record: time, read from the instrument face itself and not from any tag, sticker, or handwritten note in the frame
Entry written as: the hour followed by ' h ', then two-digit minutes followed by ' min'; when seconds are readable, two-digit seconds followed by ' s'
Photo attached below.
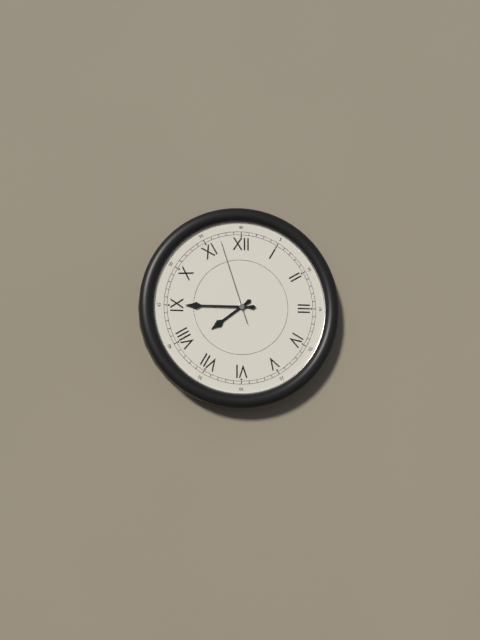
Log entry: 7 h 45 min 57 s
